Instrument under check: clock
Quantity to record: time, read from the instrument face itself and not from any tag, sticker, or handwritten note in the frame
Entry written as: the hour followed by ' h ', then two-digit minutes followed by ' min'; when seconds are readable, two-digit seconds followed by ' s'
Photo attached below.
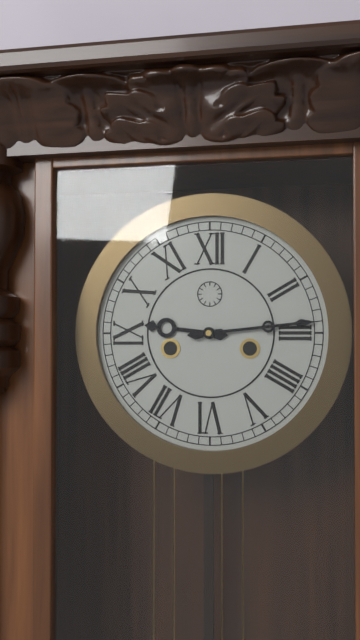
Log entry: 9 h 14 min
